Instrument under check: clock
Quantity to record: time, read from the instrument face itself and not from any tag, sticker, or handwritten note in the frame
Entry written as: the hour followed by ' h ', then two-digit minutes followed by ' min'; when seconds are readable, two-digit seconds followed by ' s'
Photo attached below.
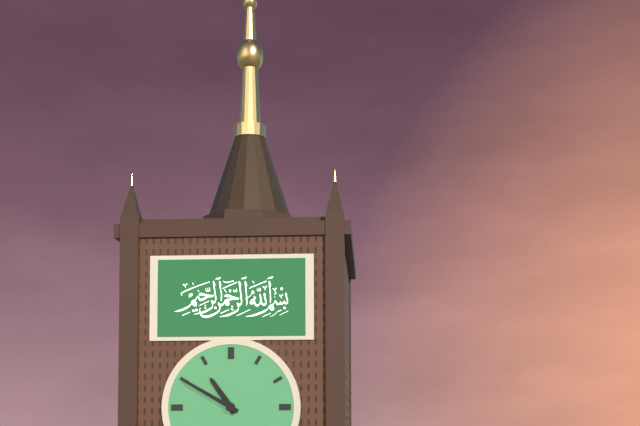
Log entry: 10 h 50 min
